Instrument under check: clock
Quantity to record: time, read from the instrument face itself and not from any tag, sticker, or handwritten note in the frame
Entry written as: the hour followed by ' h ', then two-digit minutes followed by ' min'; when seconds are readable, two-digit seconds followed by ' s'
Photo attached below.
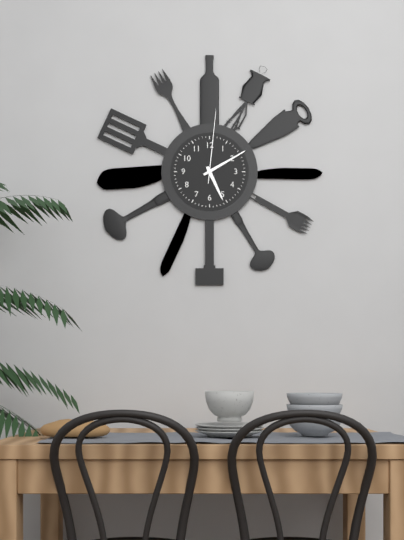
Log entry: 5 h 10 min 01 s
